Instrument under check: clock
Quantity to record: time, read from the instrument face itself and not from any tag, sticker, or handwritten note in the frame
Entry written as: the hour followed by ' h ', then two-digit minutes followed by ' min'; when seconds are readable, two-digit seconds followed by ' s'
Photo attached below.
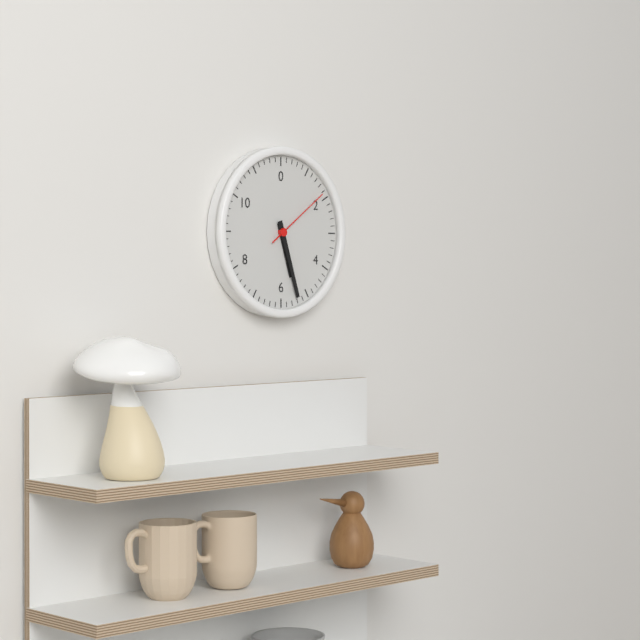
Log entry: 5 h 27 min 09 s
